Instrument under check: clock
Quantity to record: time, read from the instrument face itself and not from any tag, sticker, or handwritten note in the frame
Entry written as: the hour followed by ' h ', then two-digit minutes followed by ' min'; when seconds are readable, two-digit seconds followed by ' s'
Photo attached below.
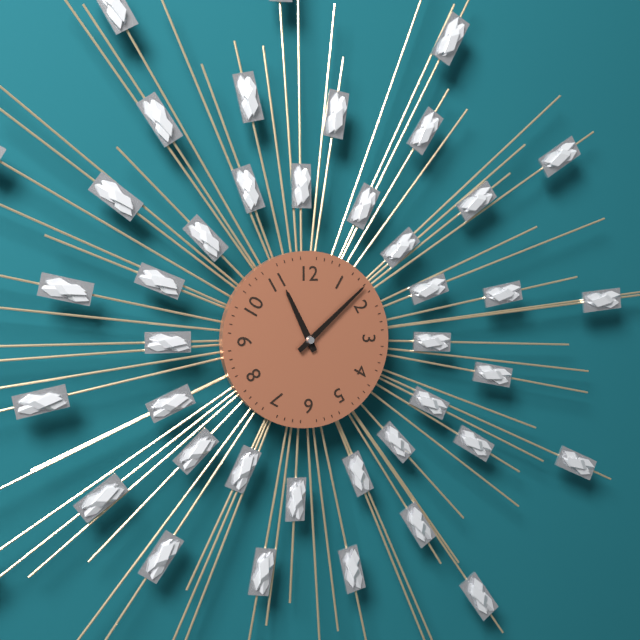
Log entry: 11 h 08 min
